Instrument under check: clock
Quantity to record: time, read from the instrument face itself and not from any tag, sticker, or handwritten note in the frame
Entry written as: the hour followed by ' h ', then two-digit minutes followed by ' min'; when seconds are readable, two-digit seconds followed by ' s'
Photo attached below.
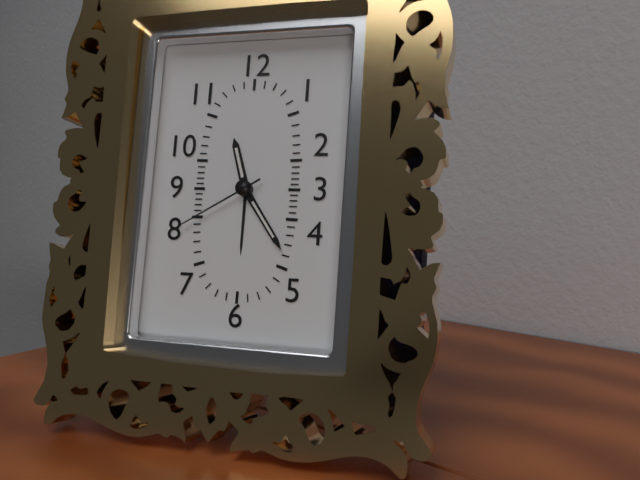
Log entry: 11 h 24 min 40 s
